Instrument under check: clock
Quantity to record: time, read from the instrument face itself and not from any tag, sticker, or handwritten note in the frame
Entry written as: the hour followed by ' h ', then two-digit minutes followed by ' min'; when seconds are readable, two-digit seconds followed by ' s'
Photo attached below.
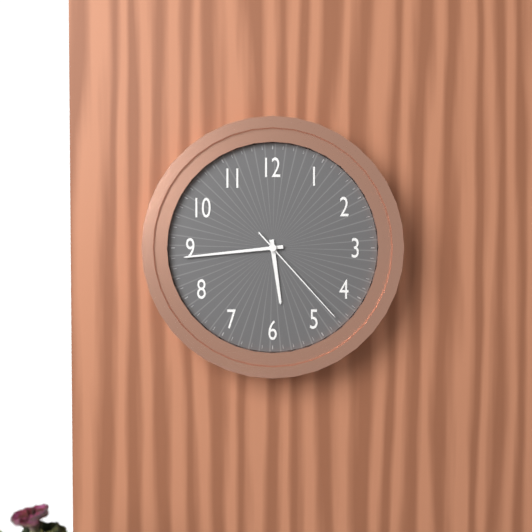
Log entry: 5 h 44 min 23 s
